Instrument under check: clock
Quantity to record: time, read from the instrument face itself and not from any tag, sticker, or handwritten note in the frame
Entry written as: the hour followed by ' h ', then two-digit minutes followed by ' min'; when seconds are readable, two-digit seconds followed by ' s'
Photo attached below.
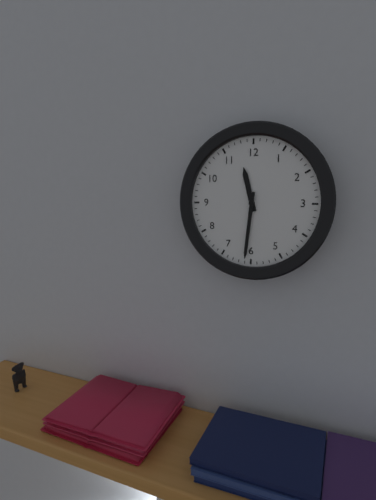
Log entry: 11 h 31 min
